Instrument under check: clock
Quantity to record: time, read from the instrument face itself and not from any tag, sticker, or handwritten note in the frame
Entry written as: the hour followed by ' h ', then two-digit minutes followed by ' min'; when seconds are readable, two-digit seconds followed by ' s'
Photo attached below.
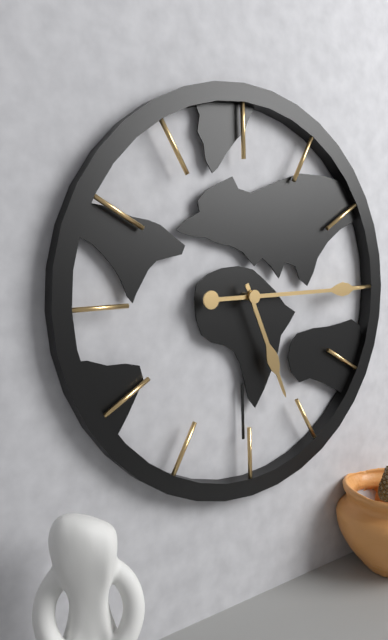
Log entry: 5 h 15 min
